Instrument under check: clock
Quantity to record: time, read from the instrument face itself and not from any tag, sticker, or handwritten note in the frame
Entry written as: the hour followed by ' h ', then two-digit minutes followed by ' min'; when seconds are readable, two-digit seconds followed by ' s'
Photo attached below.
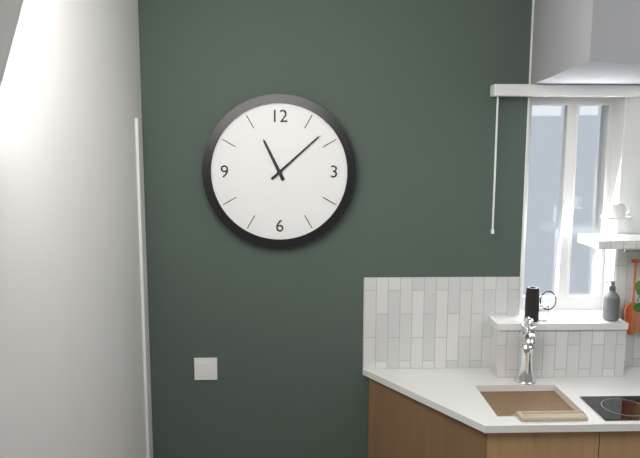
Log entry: 11 h 08 min
